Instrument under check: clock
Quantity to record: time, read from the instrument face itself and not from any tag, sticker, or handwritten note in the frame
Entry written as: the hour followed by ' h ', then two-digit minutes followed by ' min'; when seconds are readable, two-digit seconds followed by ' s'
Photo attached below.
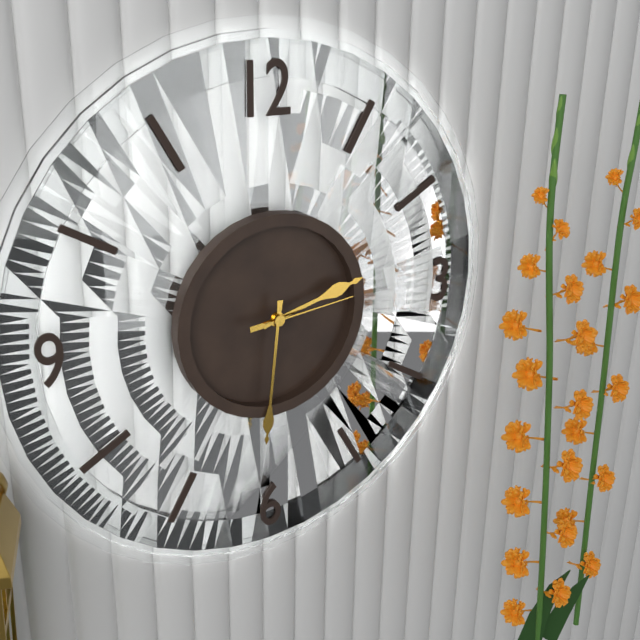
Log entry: 2 h 31 min 14 s
